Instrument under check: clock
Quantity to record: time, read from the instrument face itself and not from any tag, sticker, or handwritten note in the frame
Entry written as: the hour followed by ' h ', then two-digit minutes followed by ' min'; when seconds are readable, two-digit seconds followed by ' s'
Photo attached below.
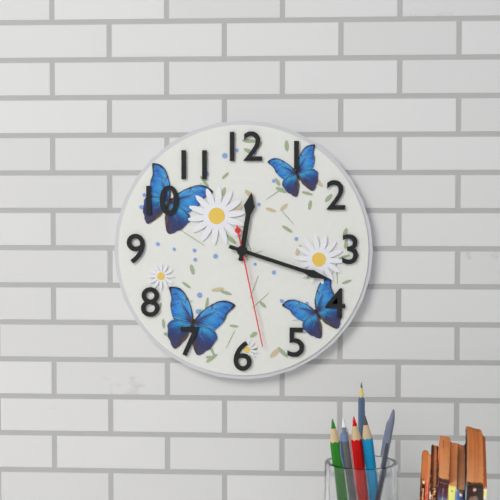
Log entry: 12 h 18 min 28 s
